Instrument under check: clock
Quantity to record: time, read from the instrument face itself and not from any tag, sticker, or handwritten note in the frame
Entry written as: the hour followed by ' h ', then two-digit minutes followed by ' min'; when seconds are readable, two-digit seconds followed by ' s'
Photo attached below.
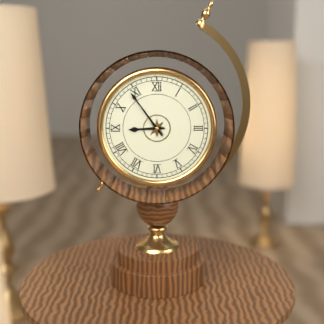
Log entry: 8 h 54 min
